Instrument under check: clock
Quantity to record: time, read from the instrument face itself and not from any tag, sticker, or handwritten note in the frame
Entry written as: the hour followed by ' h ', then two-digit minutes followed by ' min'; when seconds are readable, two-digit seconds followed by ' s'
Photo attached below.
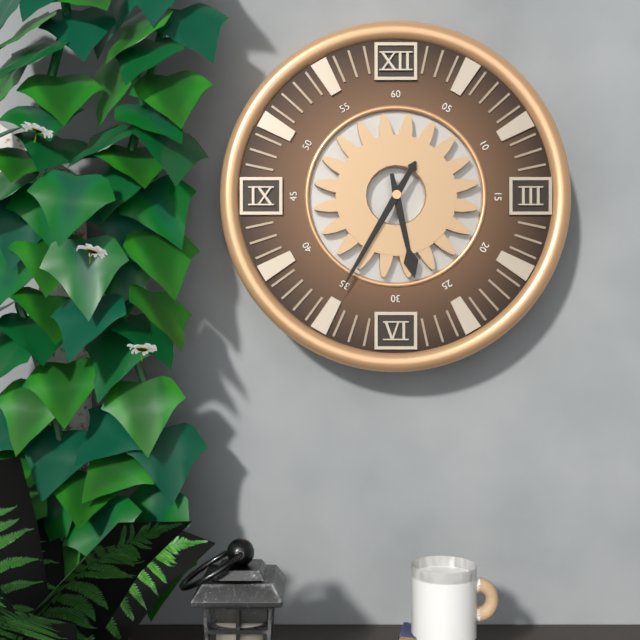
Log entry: 5 h 35 min
